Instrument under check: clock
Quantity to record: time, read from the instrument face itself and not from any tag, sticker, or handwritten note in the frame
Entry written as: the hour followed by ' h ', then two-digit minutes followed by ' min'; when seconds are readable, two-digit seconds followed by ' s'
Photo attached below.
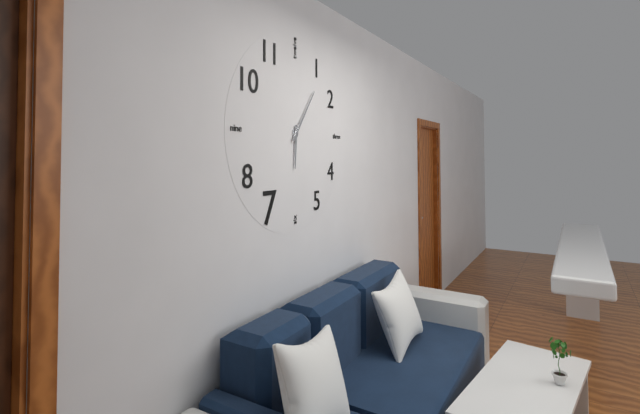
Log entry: 6 h 06 min
